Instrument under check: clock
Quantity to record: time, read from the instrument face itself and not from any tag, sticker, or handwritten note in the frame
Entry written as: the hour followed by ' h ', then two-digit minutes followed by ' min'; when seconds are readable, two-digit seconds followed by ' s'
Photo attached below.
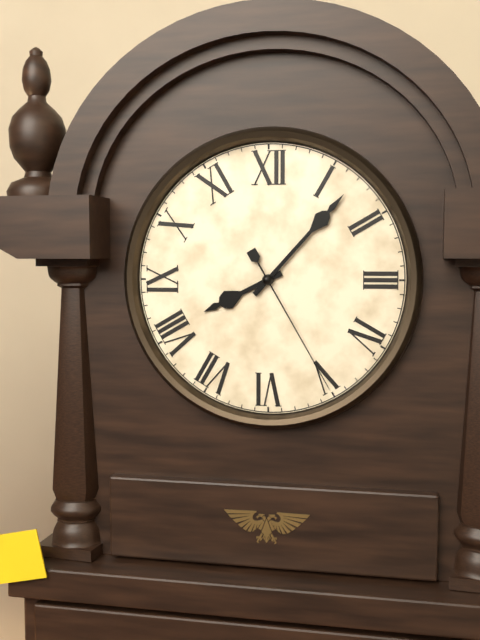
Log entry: 8 h 07 min 25 s
